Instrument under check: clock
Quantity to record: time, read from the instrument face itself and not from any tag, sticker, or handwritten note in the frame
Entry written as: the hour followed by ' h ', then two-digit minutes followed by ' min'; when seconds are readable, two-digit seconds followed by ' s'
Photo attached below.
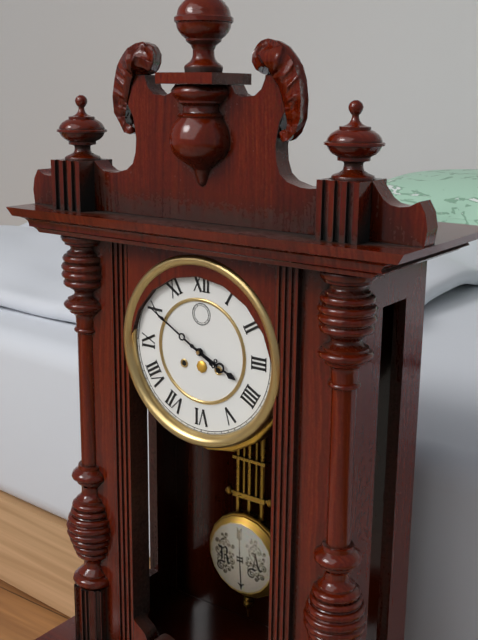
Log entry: 3 h 50 min
